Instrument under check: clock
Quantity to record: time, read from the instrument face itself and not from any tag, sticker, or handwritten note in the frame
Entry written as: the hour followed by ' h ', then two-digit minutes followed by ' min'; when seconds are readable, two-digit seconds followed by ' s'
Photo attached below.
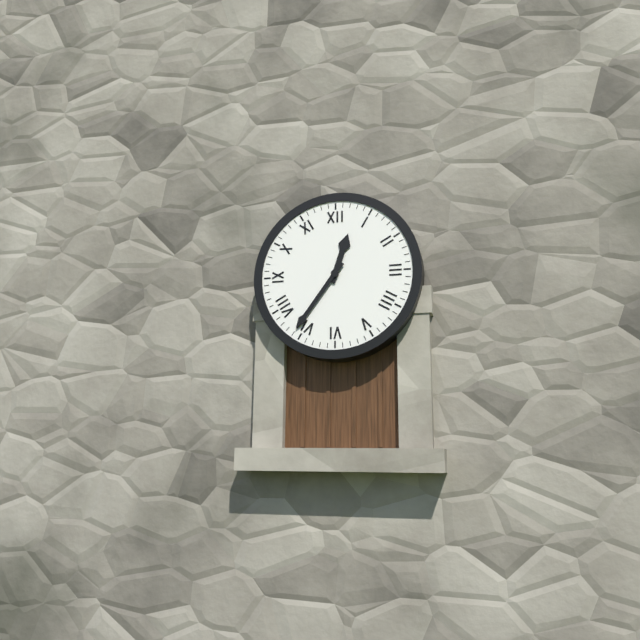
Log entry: 12 h 36 min
